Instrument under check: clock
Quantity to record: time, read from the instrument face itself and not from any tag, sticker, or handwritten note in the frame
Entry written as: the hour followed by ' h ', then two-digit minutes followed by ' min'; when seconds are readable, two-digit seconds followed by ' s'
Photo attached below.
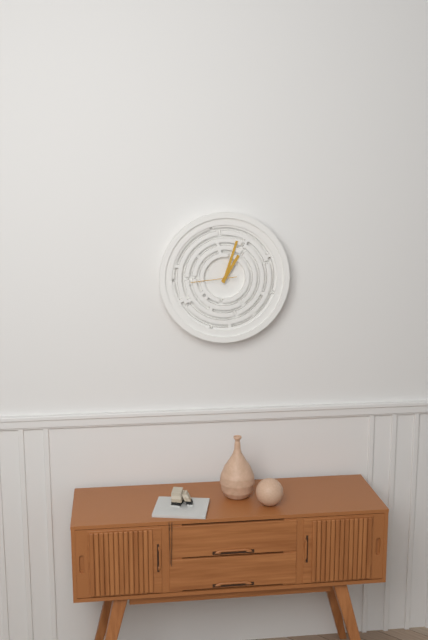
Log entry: 1 h 03 min
